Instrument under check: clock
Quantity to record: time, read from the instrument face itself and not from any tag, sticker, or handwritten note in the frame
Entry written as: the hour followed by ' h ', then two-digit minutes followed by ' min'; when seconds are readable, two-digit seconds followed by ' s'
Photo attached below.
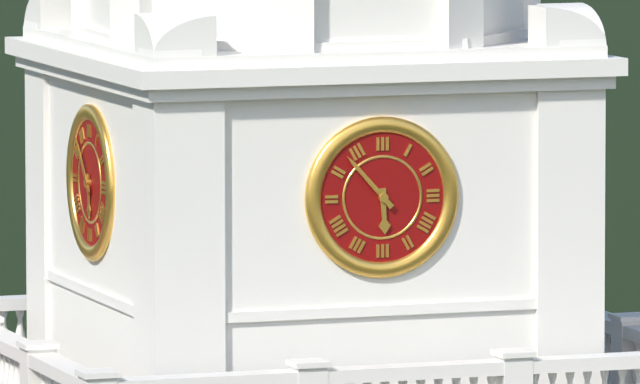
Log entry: 5 h 53 min
